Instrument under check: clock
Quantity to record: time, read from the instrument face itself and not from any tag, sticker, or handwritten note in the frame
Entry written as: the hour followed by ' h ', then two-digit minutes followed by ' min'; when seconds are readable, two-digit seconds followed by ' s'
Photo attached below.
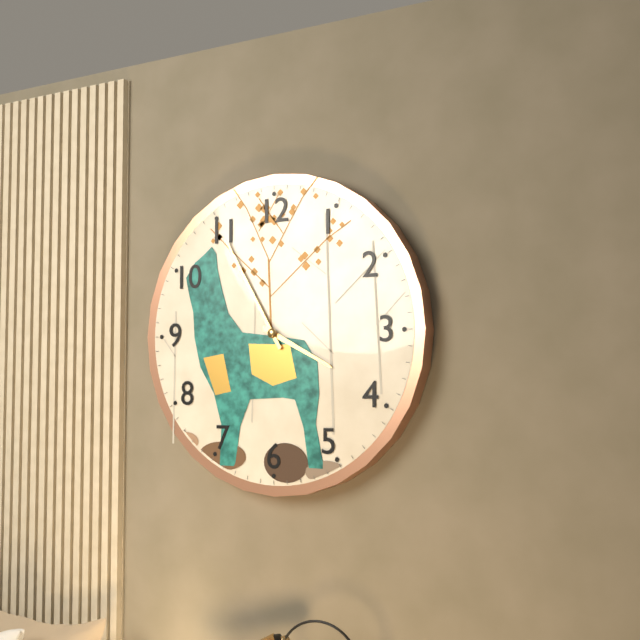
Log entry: 3 h 55 min
